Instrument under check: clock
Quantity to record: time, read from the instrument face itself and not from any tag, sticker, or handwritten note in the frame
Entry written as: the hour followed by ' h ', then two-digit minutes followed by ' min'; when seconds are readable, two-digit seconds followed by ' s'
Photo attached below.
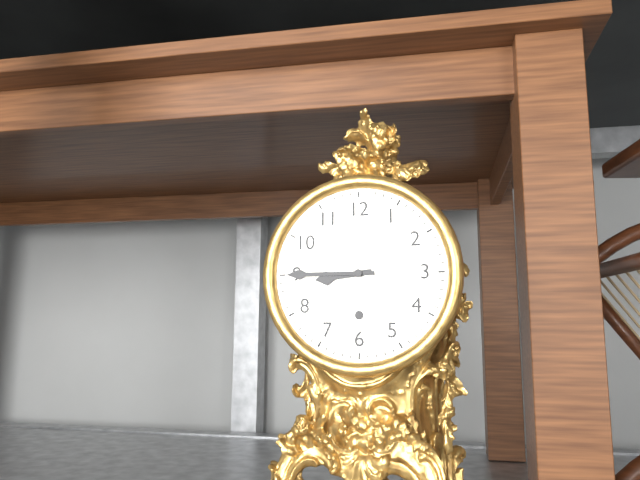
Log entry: 8 h 45 min
